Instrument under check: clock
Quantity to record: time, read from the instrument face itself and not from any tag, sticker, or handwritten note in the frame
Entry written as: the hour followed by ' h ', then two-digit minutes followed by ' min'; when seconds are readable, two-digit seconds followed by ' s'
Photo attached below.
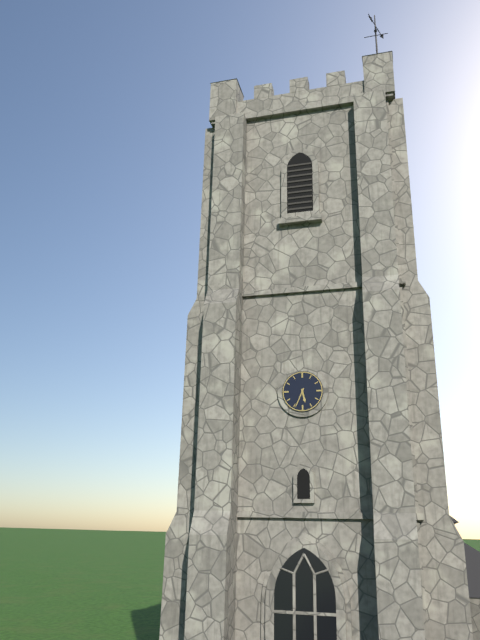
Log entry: 5 h 34 min
